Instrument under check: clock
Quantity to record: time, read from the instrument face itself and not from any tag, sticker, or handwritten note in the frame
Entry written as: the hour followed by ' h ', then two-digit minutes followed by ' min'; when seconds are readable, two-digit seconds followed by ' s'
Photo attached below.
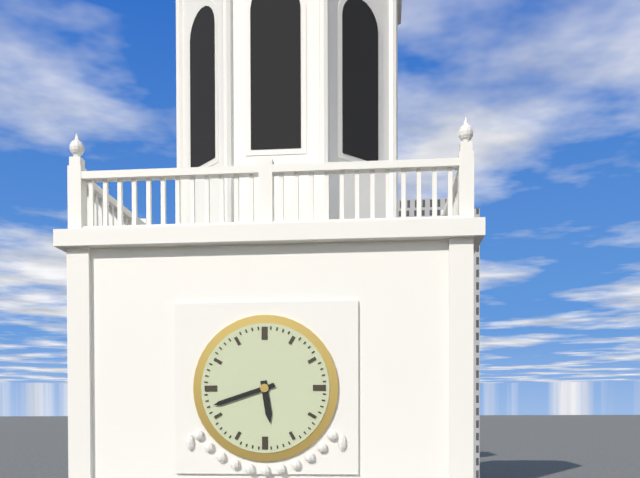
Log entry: 5 h 42 min
